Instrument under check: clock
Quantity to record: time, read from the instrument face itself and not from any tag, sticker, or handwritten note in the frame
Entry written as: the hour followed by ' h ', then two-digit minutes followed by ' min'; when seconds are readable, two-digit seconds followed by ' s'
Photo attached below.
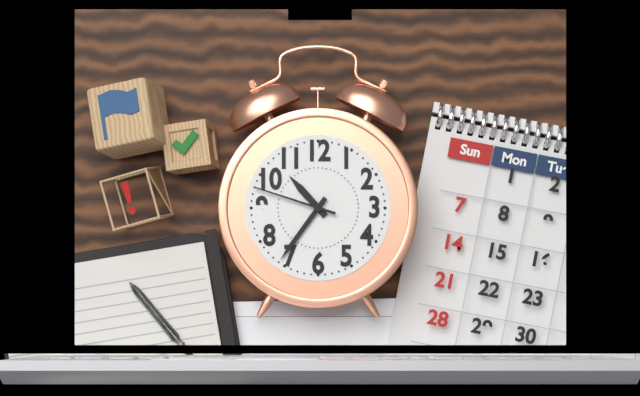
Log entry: 10 h 36 min 48 s
